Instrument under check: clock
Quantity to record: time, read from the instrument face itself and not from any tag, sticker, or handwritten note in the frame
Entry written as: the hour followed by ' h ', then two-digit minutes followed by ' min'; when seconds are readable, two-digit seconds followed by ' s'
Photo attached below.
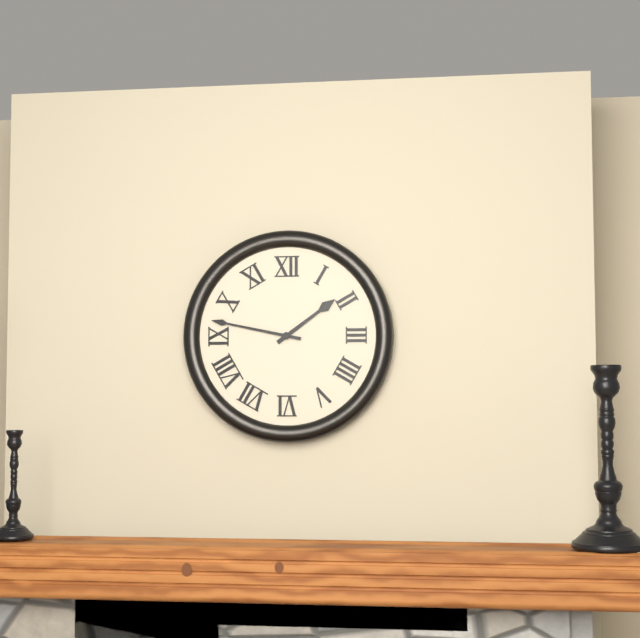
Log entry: 1 h 47 min
